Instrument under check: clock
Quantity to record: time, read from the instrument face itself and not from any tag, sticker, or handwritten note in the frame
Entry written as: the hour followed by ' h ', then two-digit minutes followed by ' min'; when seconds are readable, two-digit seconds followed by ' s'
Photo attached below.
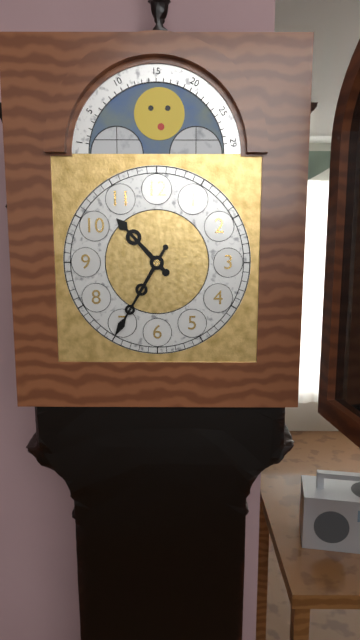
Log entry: 10 h 35 min
